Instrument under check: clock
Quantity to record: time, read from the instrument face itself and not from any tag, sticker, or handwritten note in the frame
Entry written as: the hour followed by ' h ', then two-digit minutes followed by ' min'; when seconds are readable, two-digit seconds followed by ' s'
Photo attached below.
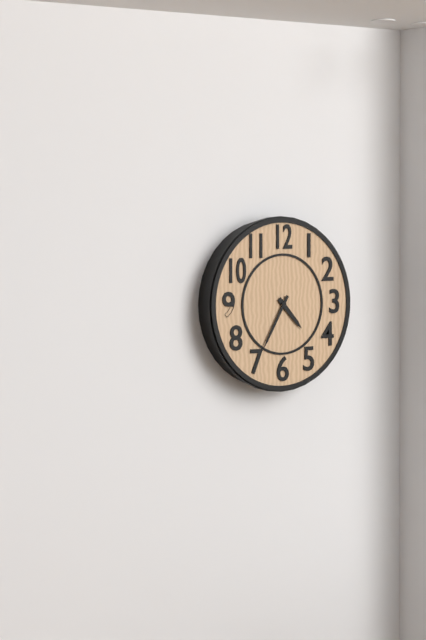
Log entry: 4 h 35 min
